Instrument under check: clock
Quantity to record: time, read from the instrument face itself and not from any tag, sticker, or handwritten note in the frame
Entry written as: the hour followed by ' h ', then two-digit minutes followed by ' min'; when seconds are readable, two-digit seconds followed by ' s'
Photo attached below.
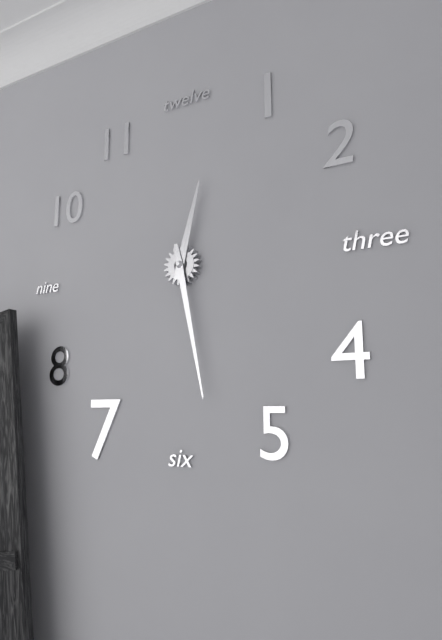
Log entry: 12 h 28 min
